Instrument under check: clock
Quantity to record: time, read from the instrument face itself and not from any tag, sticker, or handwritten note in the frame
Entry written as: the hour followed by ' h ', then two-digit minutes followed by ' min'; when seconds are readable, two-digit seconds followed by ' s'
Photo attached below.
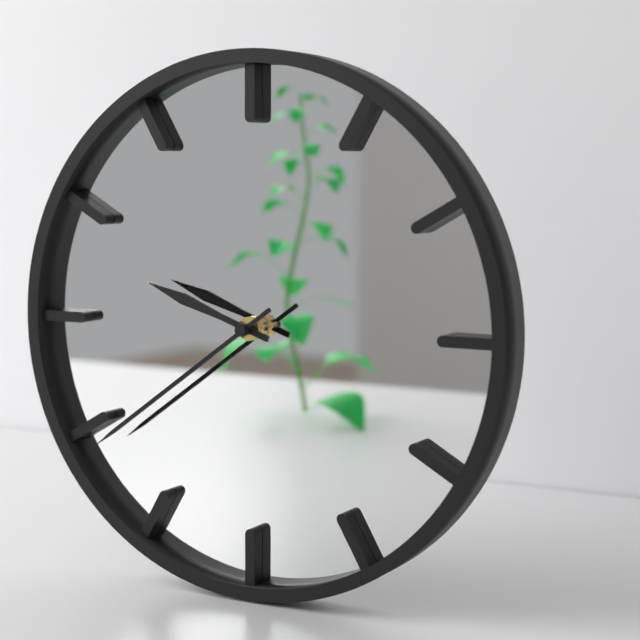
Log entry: 9 h 39 min
